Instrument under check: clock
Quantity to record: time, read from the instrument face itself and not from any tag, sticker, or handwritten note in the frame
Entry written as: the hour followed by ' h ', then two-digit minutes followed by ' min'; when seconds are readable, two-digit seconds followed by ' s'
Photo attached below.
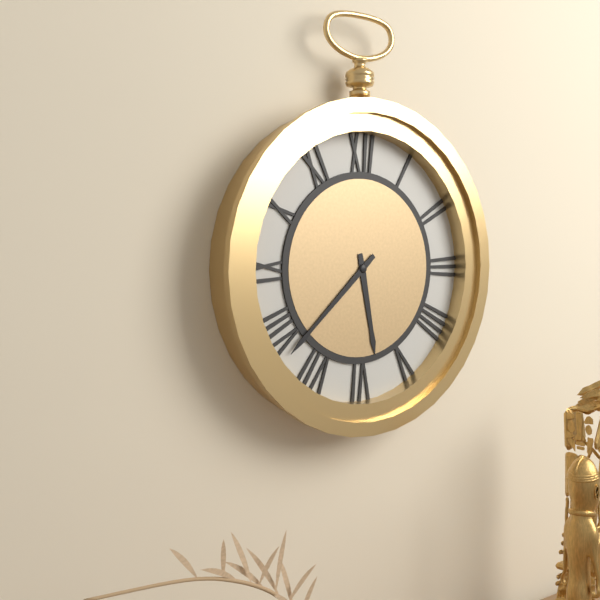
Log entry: 5 h 38 min
